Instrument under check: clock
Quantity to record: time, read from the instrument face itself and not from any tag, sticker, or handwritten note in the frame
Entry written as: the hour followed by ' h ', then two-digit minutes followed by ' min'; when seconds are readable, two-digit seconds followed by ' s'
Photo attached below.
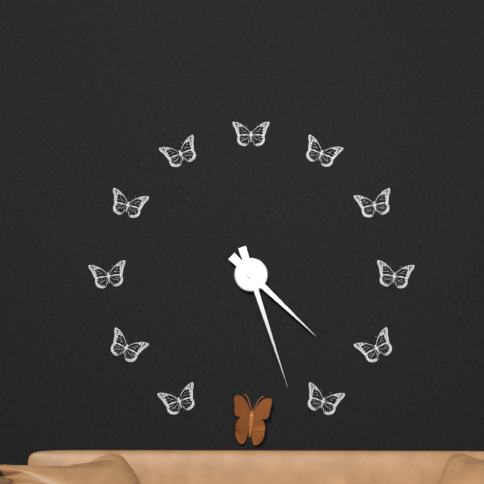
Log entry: 4 h 27 min
